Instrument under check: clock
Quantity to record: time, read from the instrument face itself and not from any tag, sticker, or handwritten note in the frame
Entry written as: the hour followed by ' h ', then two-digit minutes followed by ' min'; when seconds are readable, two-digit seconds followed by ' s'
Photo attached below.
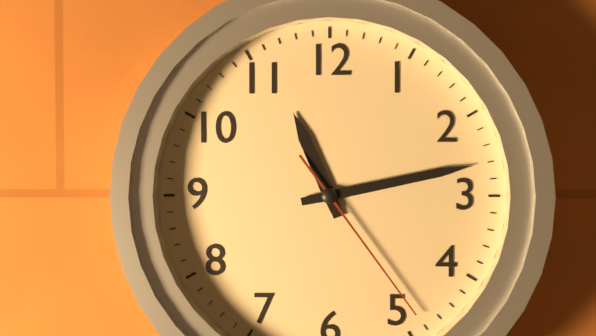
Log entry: 11 h 13 min 24 s
